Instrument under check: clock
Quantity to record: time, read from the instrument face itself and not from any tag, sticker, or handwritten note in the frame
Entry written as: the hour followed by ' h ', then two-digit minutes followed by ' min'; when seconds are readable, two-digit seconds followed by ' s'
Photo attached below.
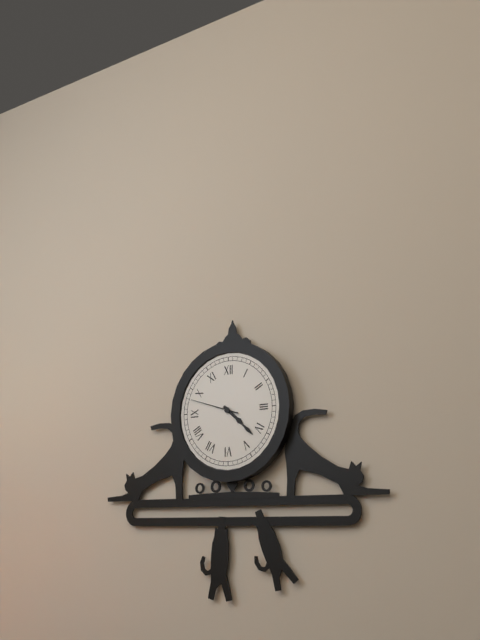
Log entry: 4 h 22 min
